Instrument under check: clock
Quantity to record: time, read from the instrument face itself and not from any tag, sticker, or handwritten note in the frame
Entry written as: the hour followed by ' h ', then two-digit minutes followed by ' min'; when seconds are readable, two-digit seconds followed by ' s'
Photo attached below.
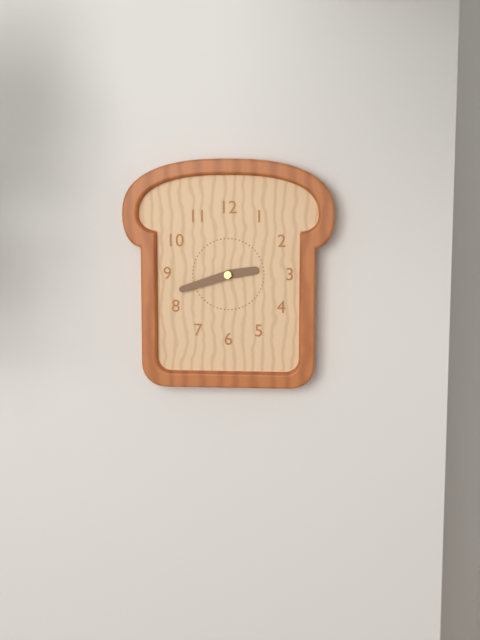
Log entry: 2 h 42 min
